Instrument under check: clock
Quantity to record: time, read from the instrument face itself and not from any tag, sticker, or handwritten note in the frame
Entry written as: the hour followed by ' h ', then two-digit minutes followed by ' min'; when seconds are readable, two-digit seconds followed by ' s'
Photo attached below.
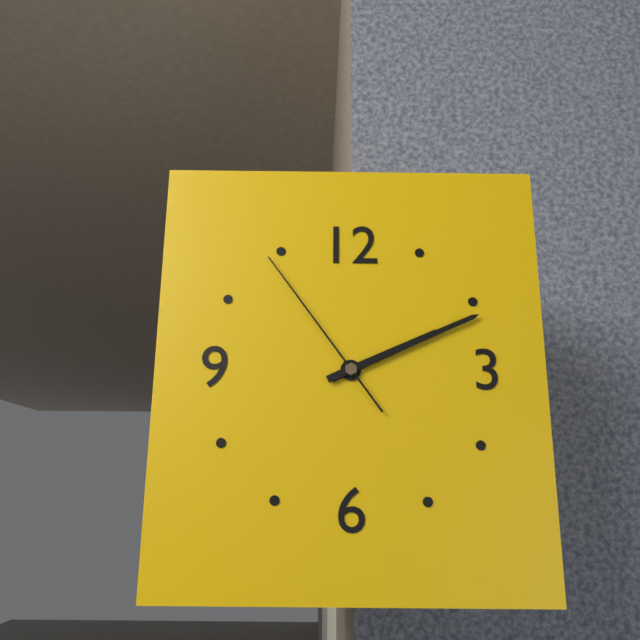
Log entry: 2 h 11 min 54 s
